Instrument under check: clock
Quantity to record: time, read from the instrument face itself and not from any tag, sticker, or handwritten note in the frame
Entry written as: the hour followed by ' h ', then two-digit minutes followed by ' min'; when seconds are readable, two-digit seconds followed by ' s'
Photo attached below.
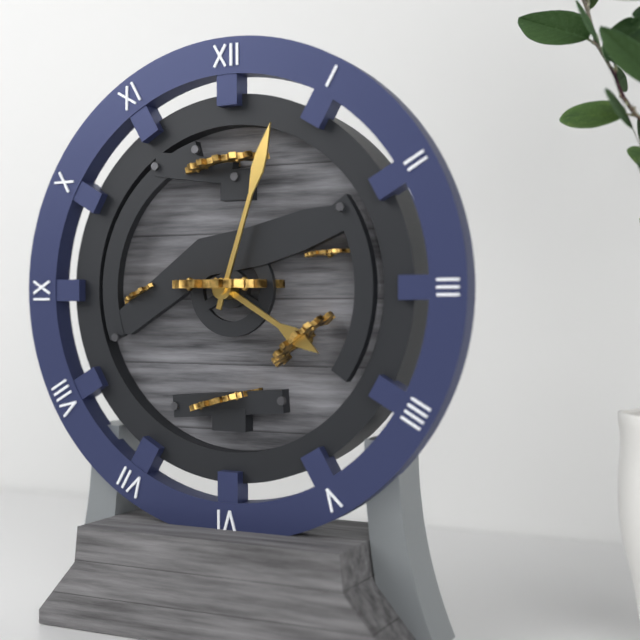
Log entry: 4 h 03 min
